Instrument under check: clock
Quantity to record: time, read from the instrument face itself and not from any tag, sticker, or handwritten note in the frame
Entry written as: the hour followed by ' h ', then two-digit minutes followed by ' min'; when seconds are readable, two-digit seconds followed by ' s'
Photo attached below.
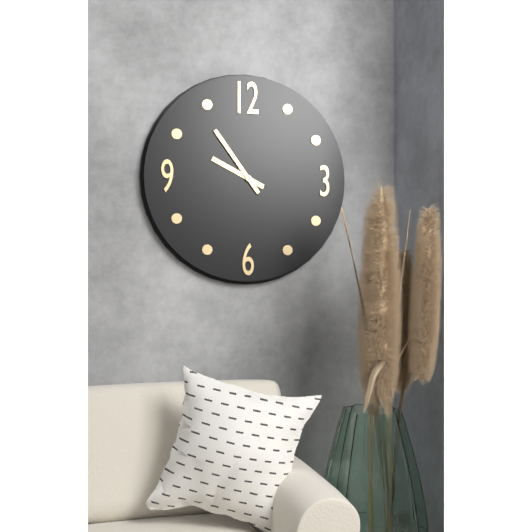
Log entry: 9 h 54 min
